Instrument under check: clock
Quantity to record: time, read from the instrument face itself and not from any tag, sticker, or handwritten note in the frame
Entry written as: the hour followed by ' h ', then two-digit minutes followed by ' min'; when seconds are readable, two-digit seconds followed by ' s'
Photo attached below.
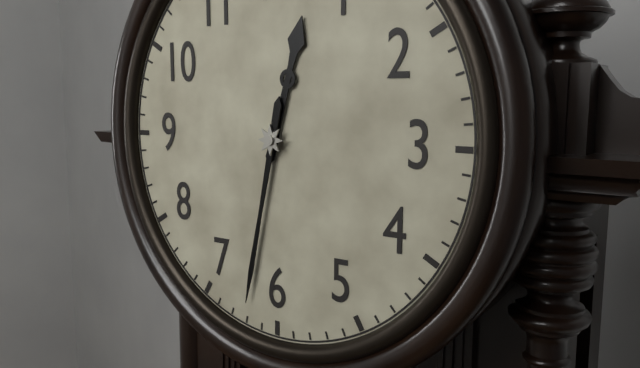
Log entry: 12 h 32 min
